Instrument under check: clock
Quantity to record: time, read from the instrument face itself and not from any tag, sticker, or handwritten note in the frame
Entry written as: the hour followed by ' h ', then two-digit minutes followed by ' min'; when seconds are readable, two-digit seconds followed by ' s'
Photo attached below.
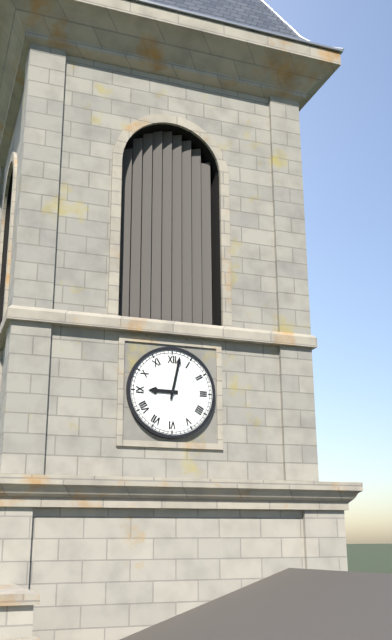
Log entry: 9 h 02 min
